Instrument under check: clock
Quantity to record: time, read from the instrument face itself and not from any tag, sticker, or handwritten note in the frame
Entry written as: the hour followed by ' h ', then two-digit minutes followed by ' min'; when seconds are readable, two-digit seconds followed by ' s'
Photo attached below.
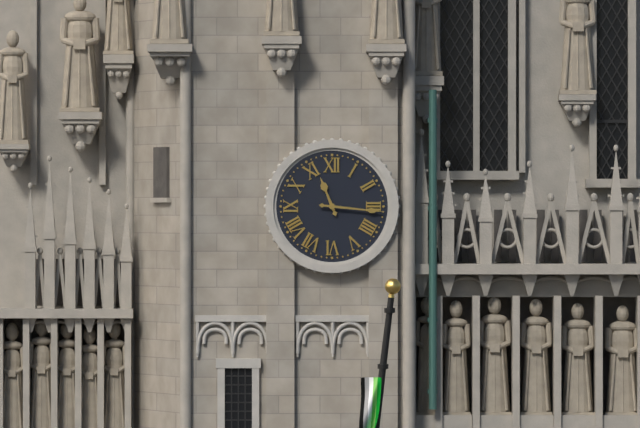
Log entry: 11 h 16 min
